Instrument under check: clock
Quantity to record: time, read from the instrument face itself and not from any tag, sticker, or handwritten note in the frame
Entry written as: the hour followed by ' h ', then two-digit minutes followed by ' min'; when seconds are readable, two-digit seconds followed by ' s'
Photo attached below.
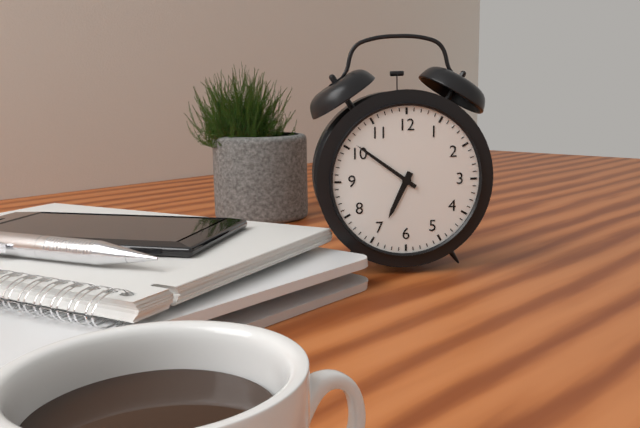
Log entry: 6 h 51 min
